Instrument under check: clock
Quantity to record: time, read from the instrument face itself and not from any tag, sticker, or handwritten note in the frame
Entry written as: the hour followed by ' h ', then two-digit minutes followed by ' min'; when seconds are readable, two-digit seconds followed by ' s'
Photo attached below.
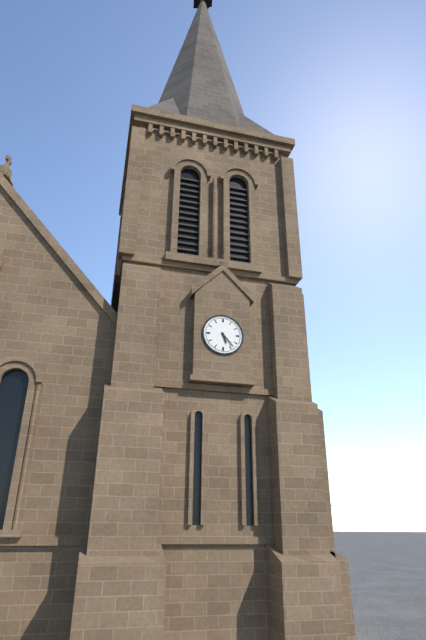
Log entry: 5 h 23 min
